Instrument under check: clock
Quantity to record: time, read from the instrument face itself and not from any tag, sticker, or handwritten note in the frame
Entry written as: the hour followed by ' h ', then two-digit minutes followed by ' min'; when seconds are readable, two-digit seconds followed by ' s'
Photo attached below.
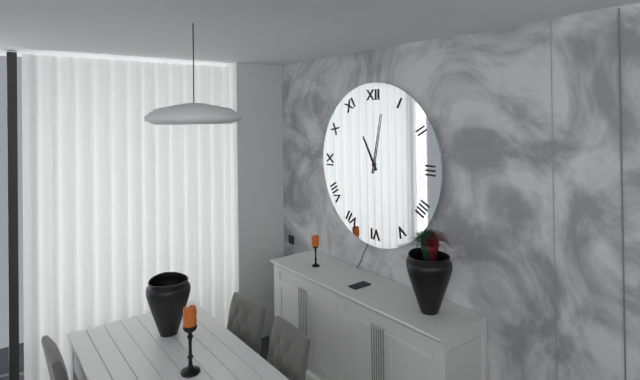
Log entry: 11 h 02 min
